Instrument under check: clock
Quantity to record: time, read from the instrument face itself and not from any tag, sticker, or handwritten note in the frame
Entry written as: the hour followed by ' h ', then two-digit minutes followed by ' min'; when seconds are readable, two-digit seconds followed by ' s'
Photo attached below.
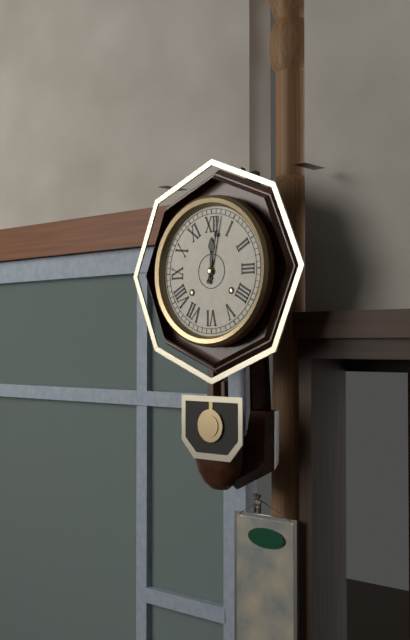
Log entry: 12 h 02 min
